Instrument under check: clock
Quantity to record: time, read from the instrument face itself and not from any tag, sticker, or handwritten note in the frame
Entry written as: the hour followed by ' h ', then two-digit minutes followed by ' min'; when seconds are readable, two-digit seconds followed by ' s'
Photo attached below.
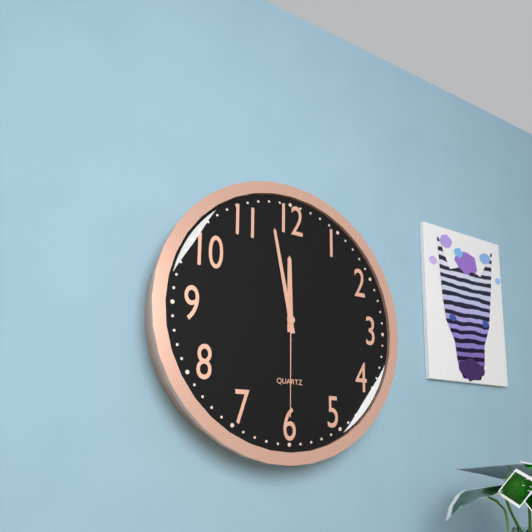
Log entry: 11 h 58 min 30 s
